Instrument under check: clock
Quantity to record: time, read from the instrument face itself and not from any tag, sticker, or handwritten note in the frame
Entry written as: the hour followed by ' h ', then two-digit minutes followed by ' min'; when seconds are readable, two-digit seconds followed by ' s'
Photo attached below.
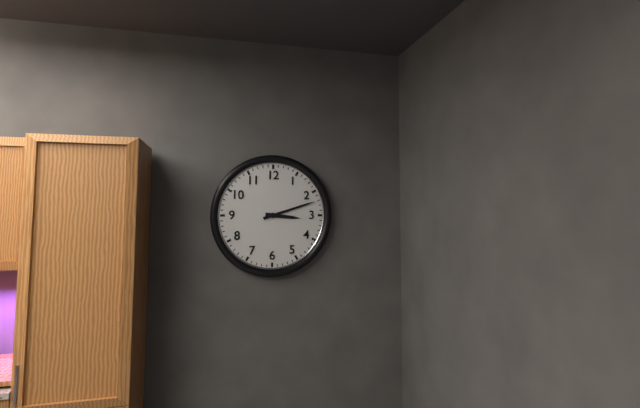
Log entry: 3 h 12 min
